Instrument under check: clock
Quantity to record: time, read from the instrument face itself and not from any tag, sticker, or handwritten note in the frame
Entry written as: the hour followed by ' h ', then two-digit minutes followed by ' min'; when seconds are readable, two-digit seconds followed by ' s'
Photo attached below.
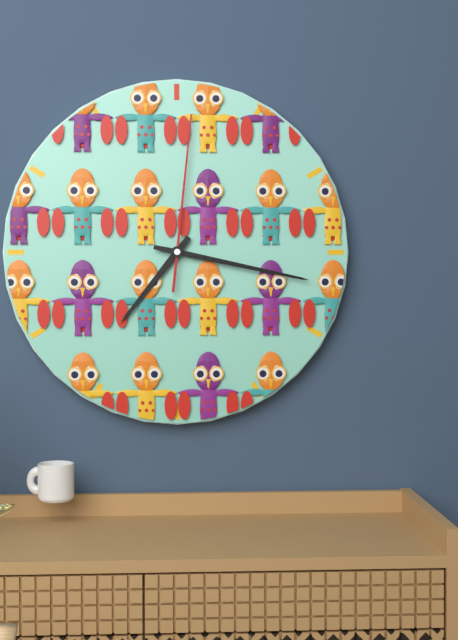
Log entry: 7 h 17 min 01 s
